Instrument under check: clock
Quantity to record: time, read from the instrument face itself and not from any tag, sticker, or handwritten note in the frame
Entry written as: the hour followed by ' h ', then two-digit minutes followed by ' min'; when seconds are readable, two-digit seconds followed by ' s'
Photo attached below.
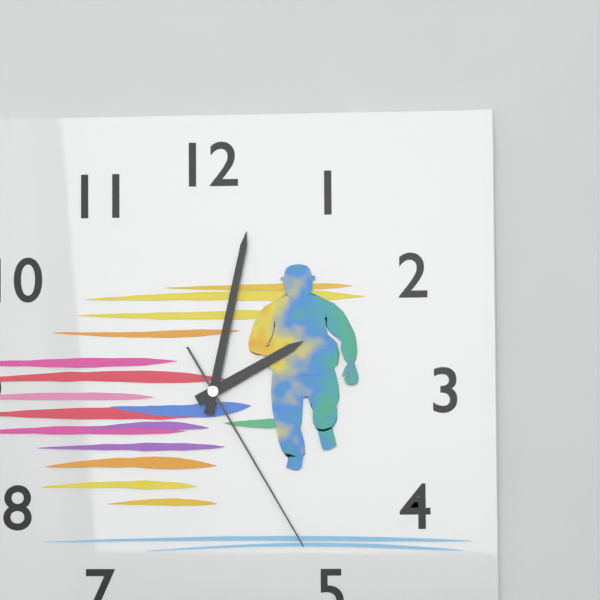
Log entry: 2 h 02 min 25 s
